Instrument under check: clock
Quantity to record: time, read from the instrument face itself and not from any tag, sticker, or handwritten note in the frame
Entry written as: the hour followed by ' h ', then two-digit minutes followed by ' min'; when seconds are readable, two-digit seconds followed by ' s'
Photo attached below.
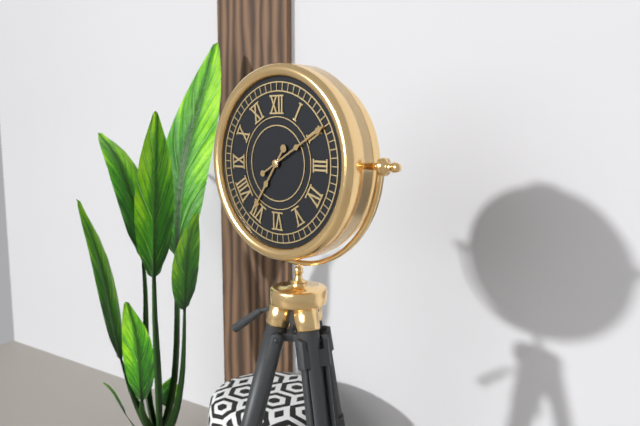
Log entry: 7 h 10 min
